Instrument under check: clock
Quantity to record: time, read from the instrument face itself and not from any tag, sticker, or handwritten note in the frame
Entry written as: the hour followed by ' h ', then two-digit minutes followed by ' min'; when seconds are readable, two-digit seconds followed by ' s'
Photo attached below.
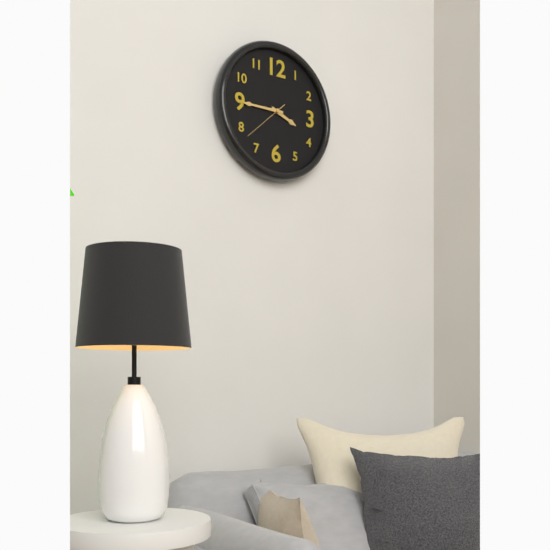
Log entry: 3 h 45 min
